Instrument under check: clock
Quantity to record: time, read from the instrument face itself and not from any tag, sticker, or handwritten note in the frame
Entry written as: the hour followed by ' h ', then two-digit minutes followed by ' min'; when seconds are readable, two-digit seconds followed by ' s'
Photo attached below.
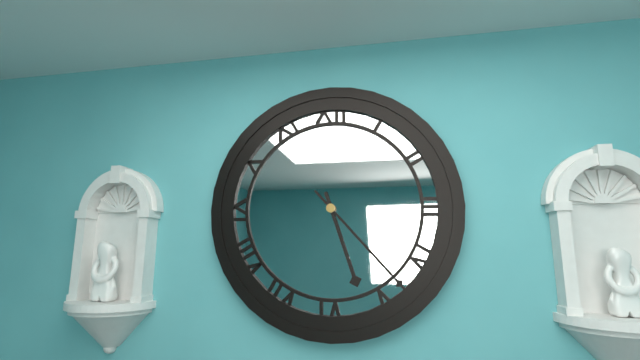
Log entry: 5 h 23 min
